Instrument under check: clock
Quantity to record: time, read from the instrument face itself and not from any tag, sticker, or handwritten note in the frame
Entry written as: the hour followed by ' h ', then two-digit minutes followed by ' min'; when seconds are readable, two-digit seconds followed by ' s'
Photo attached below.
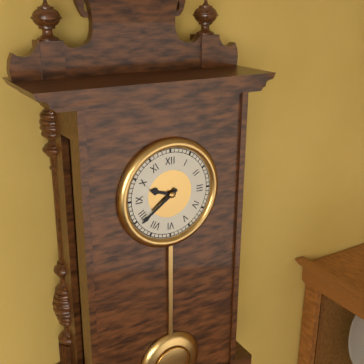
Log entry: 9 h 39 min
